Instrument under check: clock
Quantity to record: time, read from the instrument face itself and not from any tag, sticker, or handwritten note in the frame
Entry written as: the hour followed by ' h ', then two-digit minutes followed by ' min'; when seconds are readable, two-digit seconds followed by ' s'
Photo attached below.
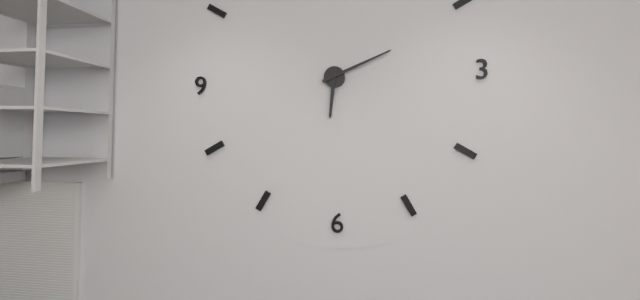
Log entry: 6 h 11 min
